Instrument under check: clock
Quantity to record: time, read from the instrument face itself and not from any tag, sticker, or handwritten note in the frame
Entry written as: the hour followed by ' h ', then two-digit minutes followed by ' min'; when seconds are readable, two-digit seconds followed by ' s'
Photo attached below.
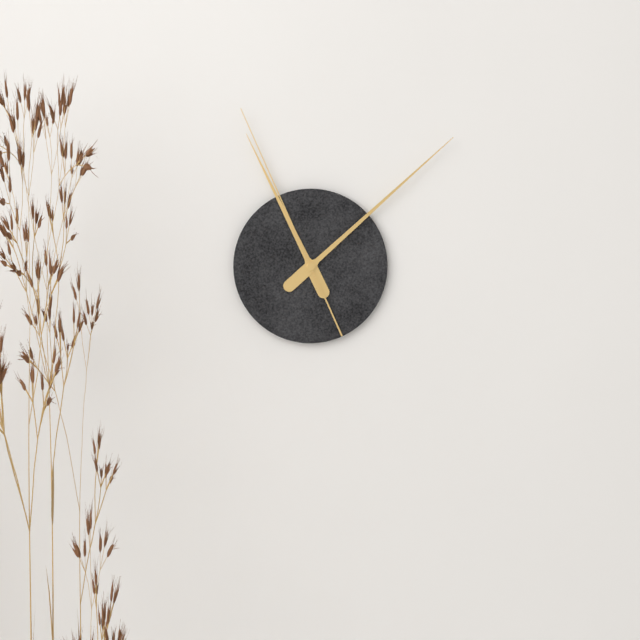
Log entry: 11 h 08 min 56 s
